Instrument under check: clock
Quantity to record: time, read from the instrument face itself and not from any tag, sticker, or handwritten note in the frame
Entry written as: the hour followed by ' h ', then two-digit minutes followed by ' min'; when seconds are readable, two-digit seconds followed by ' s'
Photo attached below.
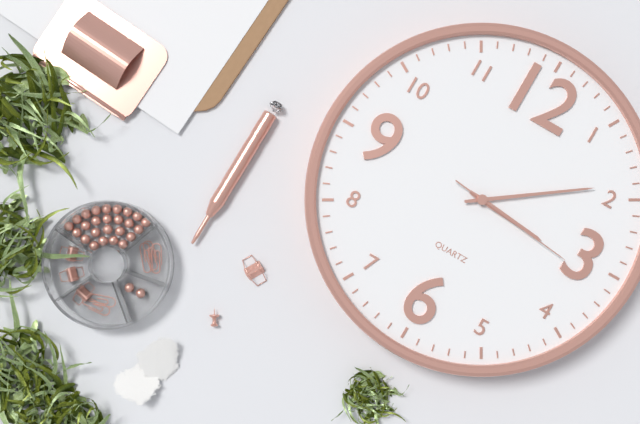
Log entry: 3 h 09 min 16 s
